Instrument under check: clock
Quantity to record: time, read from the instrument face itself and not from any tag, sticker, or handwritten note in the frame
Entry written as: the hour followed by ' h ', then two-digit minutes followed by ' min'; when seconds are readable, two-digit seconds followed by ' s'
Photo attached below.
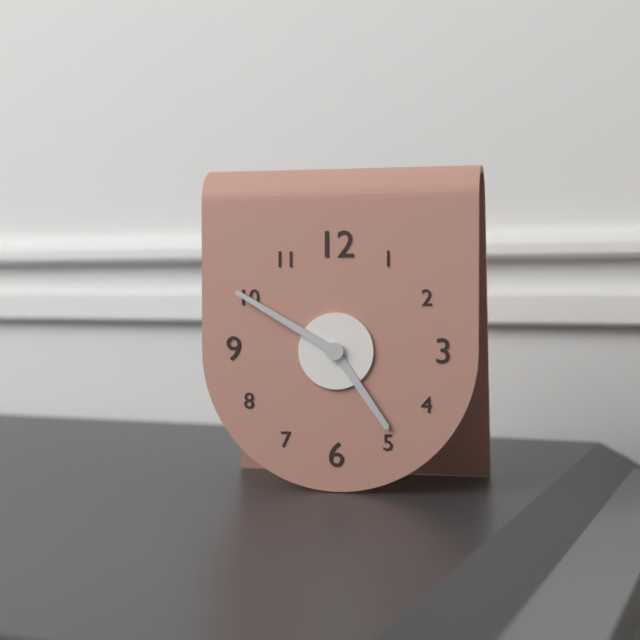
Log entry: 4 h 50 min
